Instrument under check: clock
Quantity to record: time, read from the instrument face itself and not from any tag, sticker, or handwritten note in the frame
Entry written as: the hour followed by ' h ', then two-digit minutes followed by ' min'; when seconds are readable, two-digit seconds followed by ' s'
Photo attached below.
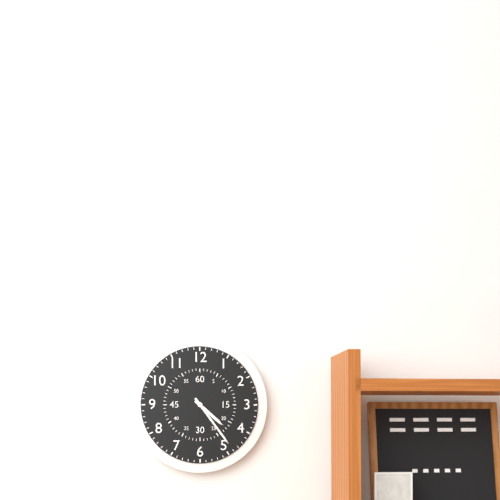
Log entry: 4 h 24 min
